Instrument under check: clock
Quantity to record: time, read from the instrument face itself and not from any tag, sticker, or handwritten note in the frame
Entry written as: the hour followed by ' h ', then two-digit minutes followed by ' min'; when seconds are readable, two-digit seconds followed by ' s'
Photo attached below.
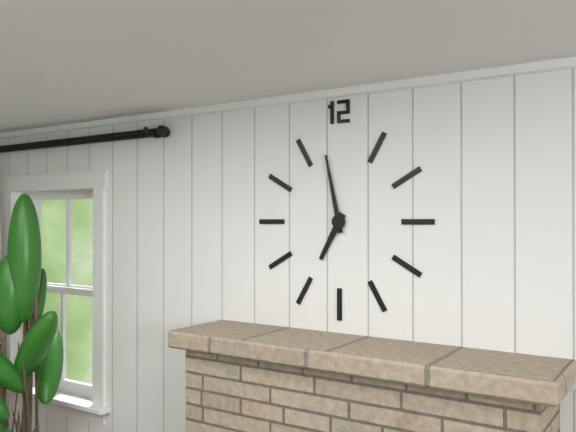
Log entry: 6 h 58 min
